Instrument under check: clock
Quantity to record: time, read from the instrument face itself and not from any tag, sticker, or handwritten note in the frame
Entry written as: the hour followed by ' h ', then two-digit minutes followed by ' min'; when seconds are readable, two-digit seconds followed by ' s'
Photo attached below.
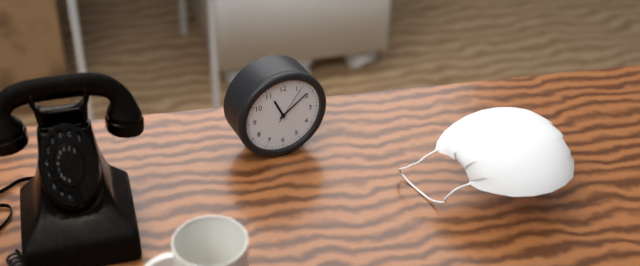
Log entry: 11 h 09 min
